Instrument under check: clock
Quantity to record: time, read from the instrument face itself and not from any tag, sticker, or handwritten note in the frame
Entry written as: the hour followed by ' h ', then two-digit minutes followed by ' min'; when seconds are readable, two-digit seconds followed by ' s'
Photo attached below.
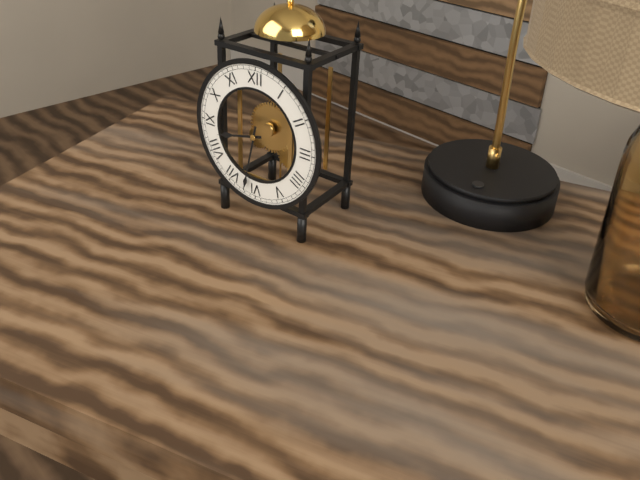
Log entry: 8 h 32 min
